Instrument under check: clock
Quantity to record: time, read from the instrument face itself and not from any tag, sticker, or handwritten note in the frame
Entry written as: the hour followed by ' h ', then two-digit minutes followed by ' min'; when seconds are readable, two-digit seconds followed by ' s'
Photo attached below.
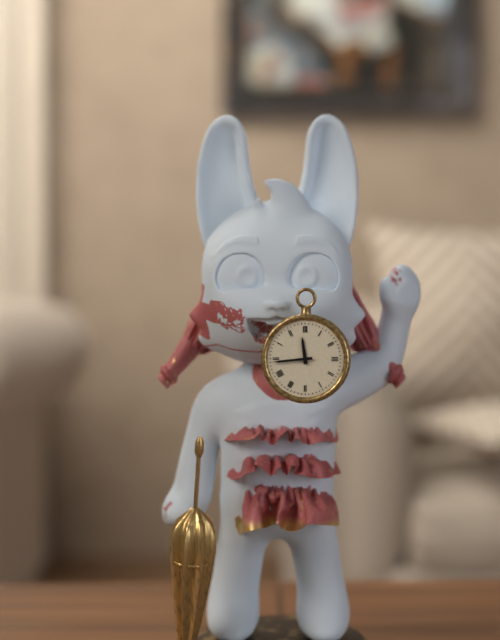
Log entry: 11 h 44 min
